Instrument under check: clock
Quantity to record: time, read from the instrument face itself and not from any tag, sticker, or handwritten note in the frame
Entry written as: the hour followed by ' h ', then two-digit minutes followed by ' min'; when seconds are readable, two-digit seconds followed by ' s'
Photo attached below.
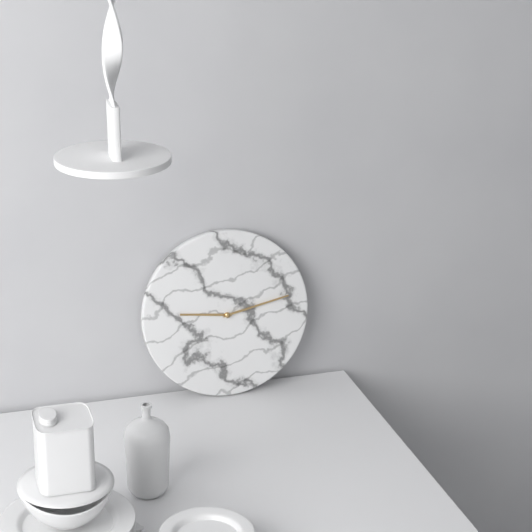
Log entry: 9 h 13 min
